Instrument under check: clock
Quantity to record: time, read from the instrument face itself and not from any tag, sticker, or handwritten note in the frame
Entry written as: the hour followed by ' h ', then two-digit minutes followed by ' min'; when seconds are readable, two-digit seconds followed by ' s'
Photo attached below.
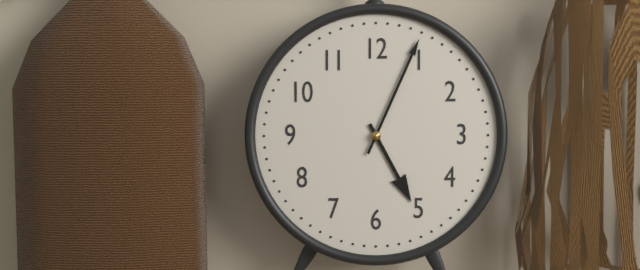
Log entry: 5 h 04 min
